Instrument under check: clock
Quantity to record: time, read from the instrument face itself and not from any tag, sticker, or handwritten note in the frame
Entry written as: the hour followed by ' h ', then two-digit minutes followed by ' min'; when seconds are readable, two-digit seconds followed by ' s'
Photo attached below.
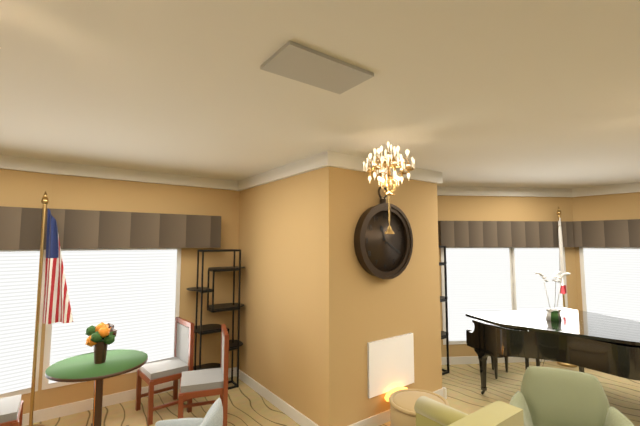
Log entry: 11 h 20 min
